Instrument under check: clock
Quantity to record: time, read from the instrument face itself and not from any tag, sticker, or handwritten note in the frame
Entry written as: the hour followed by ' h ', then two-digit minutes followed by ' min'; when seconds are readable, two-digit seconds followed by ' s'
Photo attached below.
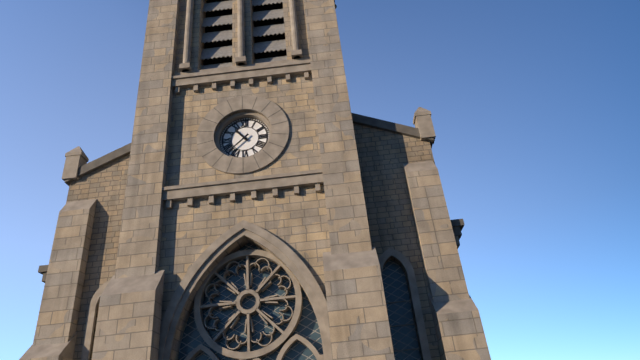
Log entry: 10 h 38 min
